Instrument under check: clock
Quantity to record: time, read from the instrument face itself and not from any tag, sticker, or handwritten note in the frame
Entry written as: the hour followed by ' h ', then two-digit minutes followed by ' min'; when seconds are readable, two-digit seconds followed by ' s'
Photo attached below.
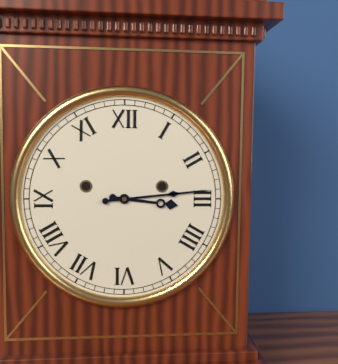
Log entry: 3 h 14 min
